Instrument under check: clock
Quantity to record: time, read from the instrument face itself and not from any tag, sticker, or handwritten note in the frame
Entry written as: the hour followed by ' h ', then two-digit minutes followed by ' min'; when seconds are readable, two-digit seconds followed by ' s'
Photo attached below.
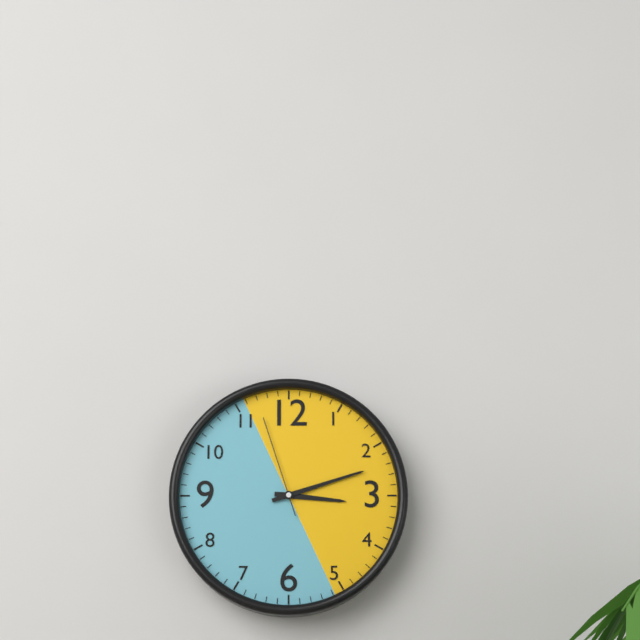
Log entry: 3 h 12 min 57 s
